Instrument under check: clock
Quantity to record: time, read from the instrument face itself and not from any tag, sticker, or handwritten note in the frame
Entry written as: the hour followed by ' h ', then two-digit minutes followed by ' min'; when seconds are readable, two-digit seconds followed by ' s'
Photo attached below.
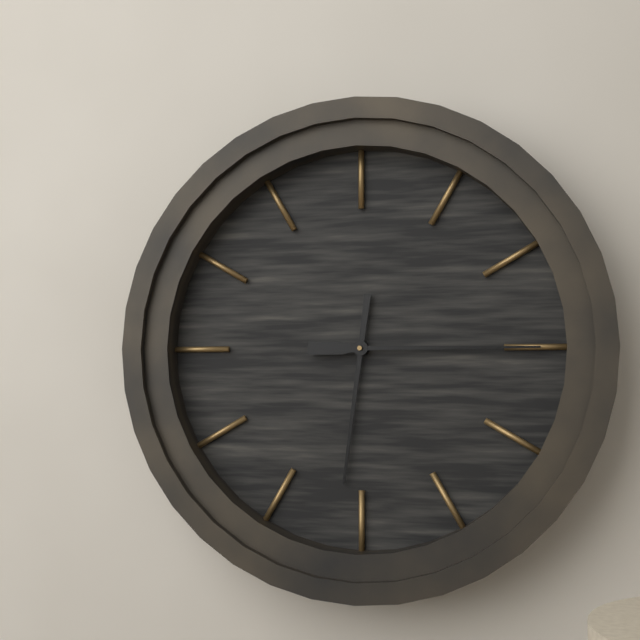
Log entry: 6 h 15 min
